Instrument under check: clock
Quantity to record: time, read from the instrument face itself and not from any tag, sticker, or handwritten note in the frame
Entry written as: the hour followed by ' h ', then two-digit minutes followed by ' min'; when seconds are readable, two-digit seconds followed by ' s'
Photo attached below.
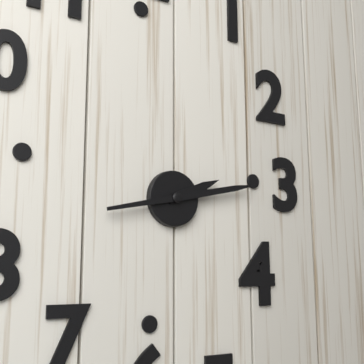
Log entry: 2 h 13 min
